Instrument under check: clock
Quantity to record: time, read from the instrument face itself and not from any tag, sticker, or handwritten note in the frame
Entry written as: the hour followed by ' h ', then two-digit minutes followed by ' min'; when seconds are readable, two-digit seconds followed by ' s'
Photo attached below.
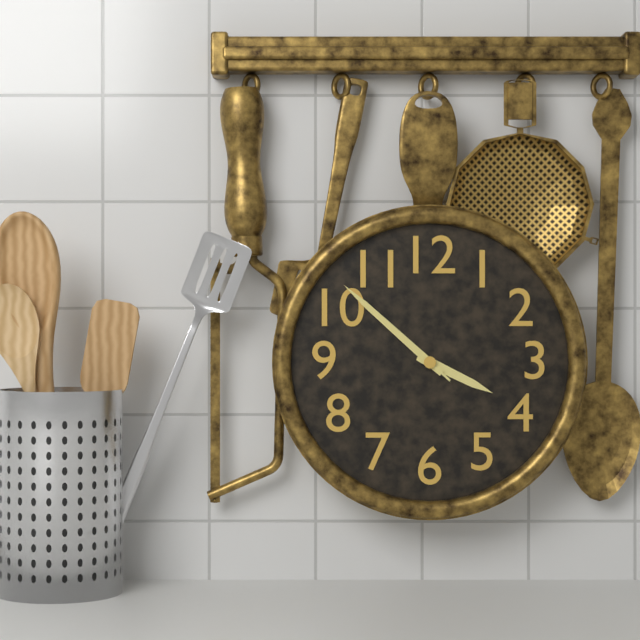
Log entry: 3 h 52 min 52 s
